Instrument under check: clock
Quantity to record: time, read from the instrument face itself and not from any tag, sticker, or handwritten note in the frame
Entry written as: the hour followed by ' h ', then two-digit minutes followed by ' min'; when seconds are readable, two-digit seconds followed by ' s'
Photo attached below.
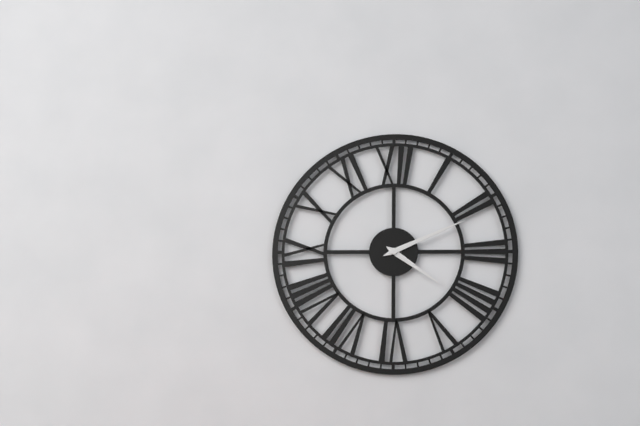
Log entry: 4 h 11 min
